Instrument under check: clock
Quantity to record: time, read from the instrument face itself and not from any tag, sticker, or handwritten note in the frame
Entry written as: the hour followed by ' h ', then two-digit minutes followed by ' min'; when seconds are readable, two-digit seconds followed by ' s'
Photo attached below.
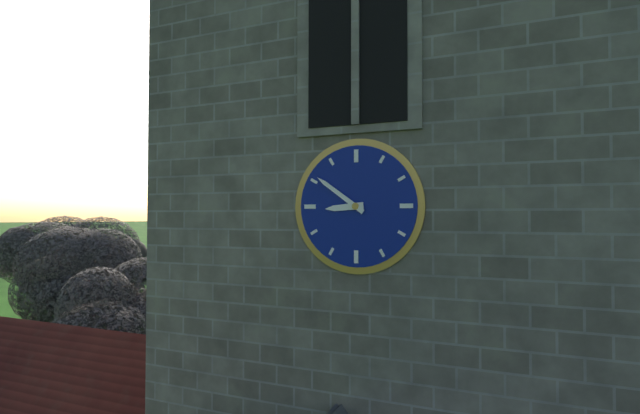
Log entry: 8 h 51 min
